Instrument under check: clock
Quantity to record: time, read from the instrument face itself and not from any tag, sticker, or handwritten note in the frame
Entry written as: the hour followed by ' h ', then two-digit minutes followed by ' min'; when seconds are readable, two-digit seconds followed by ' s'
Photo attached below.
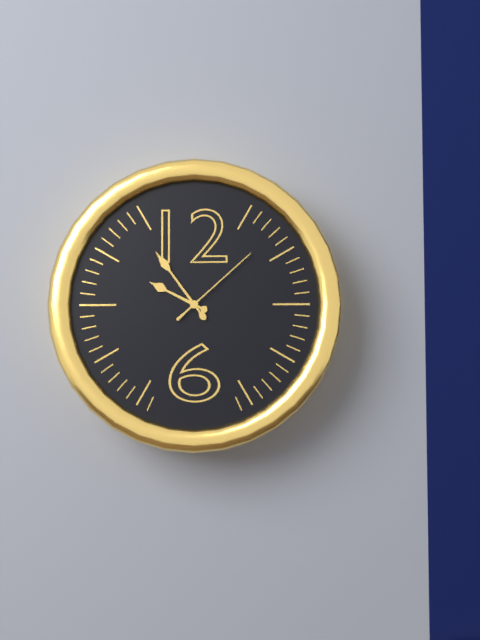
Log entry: 9 h 54 min 08 s
